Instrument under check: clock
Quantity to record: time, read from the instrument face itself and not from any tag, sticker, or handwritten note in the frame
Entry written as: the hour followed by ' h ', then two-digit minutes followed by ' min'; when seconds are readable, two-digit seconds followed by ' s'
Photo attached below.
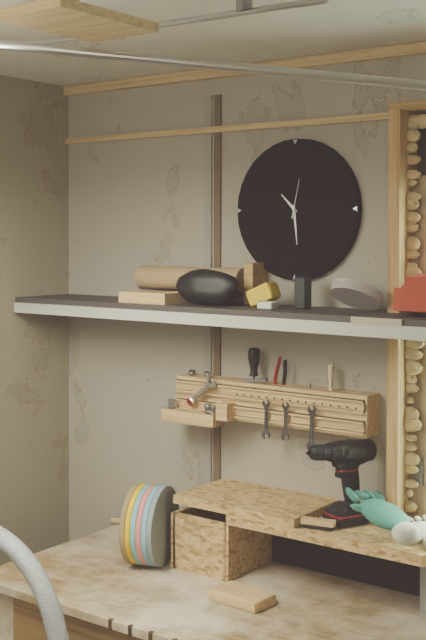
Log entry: 10 h 29 min
